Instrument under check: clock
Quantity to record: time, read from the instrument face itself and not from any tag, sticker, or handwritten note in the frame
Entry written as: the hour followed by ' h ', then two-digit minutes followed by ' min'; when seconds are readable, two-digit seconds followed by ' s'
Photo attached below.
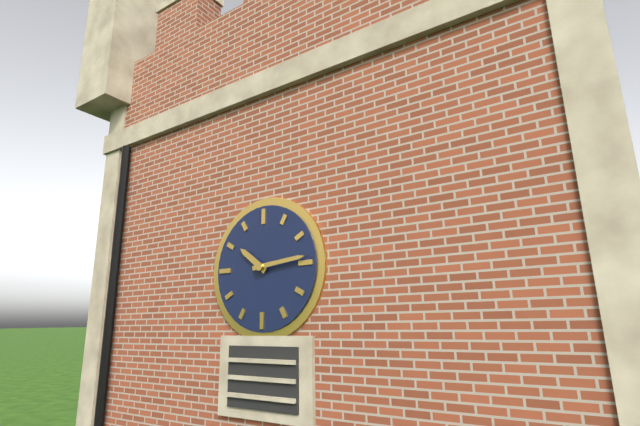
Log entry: 10 h 14 min
